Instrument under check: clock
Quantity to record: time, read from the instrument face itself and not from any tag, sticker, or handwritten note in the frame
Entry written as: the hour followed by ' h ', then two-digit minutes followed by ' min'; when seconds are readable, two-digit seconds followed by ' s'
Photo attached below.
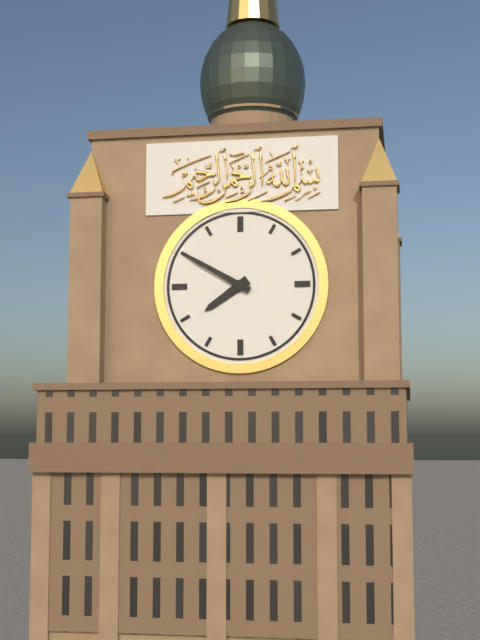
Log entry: 7 h 50 min
